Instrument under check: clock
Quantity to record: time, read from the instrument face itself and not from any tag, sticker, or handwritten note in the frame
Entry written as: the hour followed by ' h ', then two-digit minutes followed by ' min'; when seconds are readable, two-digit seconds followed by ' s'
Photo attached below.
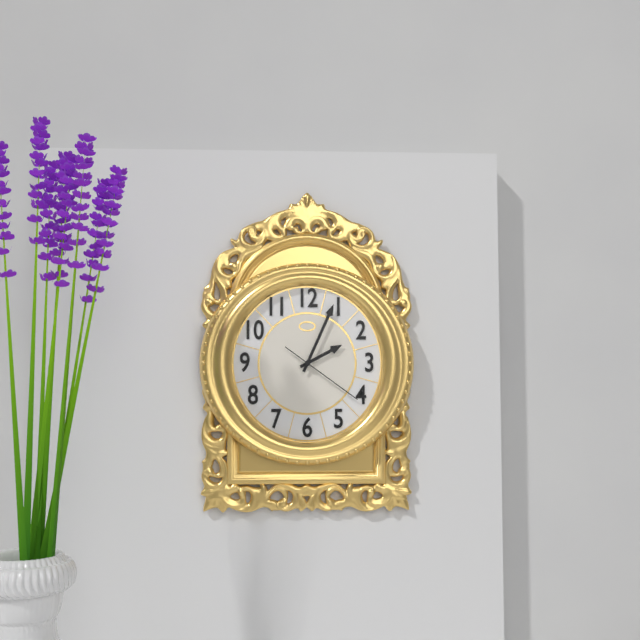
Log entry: 2 h 04 min 21 s
